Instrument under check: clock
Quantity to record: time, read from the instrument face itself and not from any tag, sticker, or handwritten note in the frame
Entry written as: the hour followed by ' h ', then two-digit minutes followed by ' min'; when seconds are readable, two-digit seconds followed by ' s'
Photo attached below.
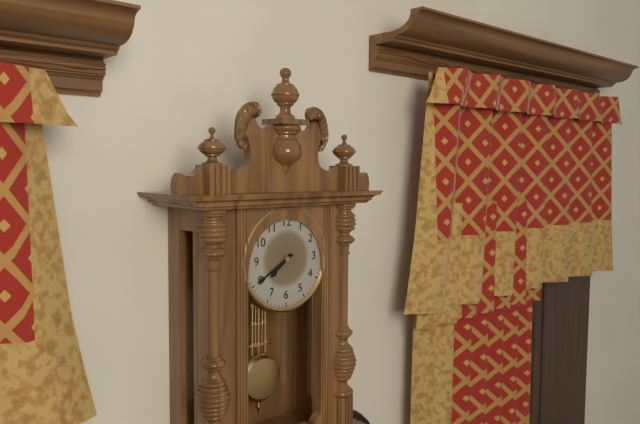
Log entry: 7 h 40 min
